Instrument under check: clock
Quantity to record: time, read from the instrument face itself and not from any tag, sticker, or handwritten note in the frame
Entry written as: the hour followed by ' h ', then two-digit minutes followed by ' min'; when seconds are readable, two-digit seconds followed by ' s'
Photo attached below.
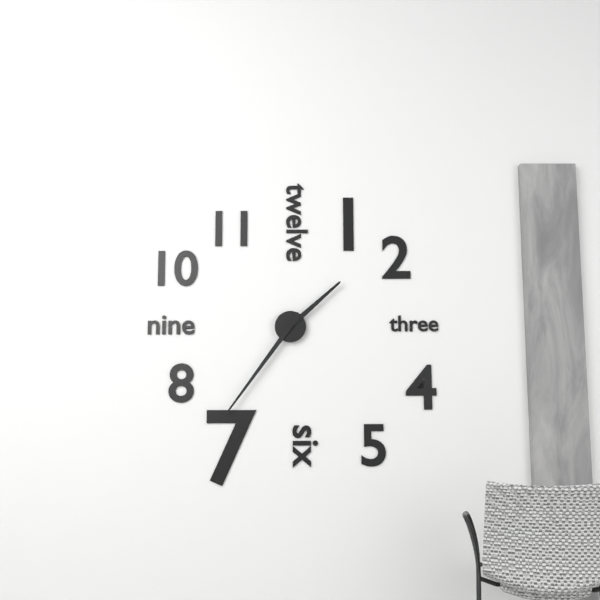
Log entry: 1 h 36 min
